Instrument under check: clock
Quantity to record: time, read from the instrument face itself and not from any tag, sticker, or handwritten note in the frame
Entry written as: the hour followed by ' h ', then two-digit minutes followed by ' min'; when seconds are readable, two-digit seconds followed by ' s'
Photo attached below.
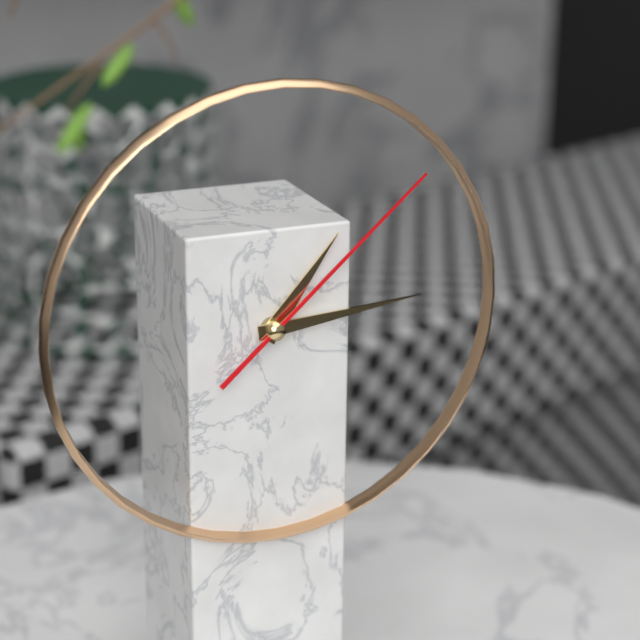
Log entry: 1 h 14 min 08 s
